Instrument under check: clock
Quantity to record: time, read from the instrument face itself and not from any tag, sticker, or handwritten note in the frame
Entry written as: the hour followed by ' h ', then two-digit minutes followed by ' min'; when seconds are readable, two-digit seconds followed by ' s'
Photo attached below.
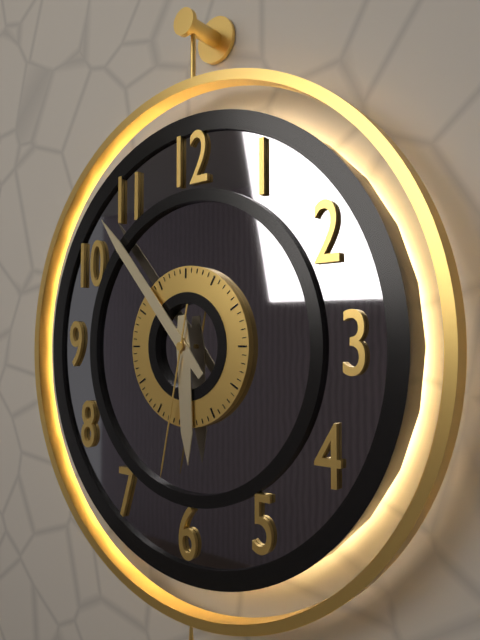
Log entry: 5 h 53 min 32 s
